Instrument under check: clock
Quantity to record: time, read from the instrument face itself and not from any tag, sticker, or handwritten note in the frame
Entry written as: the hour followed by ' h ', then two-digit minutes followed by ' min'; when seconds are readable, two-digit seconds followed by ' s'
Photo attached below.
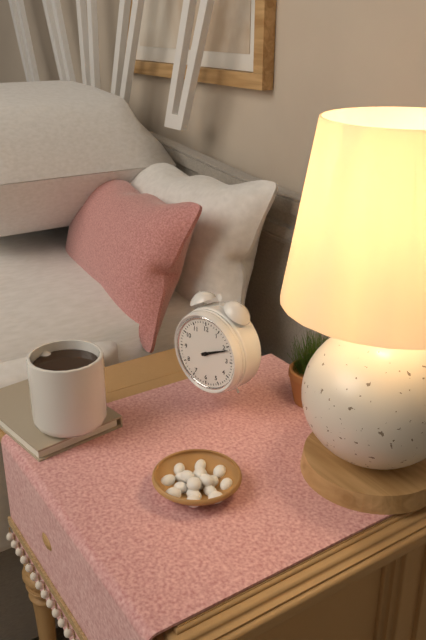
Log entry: 2 h 11 min
